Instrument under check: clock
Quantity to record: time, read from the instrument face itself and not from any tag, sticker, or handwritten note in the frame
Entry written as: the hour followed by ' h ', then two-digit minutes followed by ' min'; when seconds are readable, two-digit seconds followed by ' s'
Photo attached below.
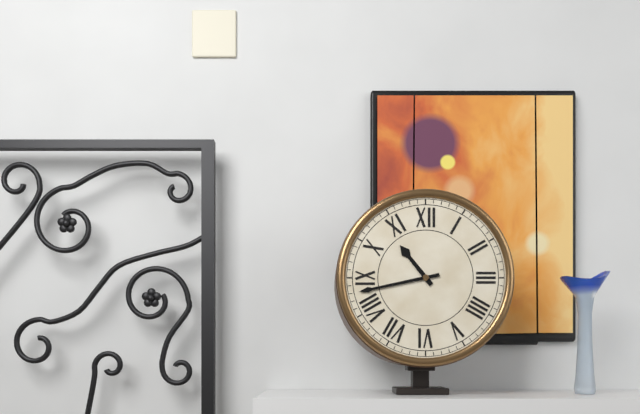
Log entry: 10 h 43 min
